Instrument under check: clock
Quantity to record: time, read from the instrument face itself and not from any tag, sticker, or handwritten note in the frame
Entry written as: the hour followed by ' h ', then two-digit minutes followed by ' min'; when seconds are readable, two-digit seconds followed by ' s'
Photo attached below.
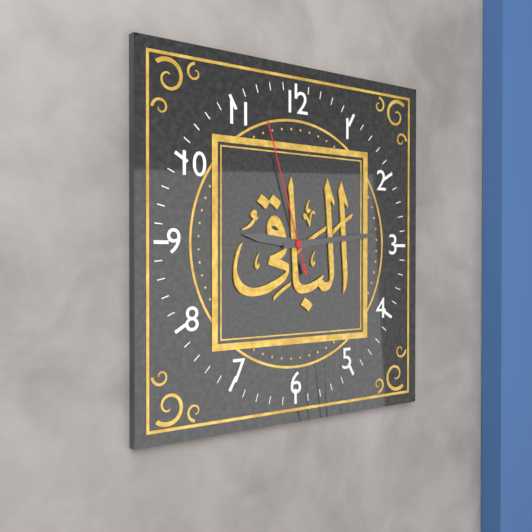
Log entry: 9 h 14 min 57 s
